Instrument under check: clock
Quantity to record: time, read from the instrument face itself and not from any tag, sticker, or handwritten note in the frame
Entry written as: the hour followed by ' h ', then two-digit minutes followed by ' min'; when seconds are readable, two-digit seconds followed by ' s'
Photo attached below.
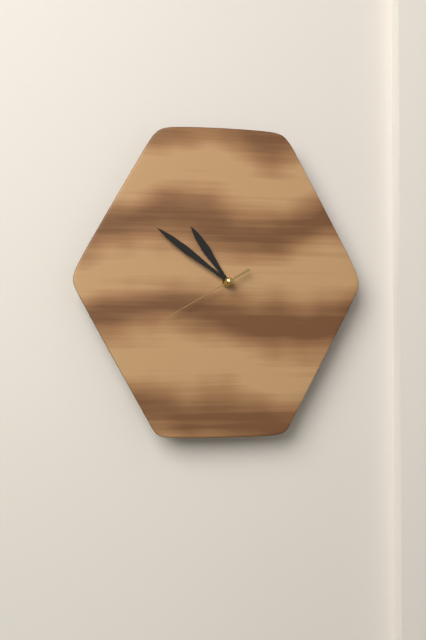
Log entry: 10 h 51 min 40 s
